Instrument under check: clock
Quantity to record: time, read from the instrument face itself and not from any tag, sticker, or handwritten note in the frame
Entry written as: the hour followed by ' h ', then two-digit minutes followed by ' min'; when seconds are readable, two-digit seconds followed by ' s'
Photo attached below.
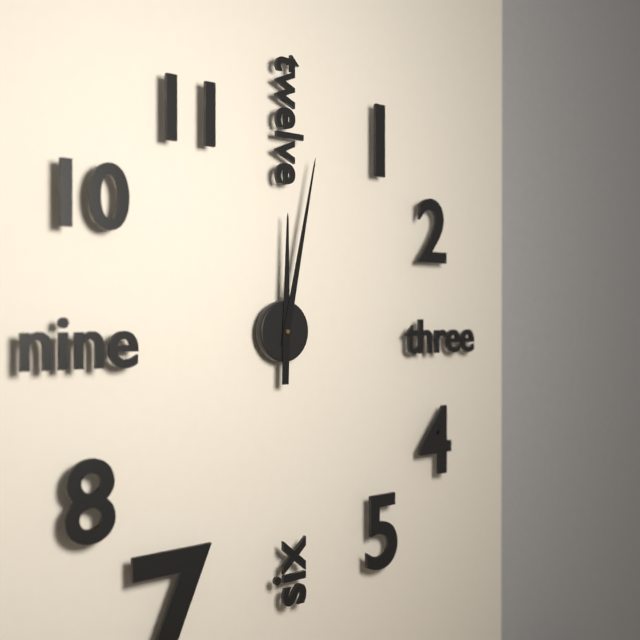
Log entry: 12 h 02 min
